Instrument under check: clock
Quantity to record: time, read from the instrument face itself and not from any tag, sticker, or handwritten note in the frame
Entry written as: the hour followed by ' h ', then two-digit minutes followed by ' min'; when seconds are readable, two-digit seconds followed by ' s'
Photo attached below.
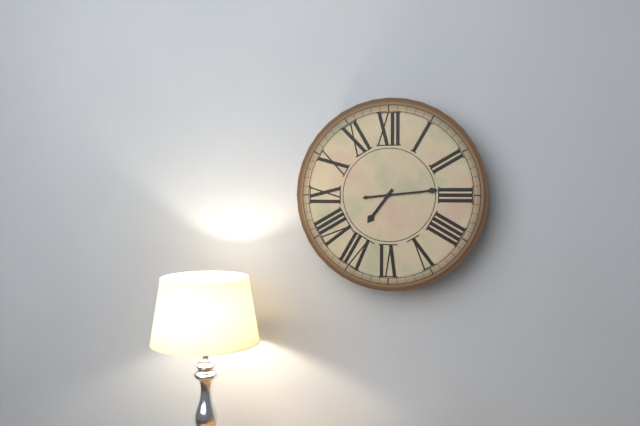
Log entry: 7 h 14 min
